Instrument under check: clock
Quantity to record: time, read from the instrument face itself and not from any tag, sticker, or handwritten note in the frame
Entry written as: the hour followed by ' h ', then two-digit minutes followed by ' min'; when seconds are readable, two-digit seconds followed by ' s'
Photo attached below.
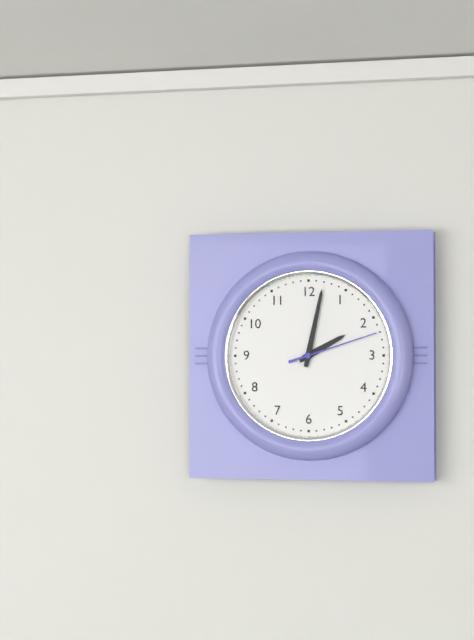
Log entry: 2 h 02 min 12 s
